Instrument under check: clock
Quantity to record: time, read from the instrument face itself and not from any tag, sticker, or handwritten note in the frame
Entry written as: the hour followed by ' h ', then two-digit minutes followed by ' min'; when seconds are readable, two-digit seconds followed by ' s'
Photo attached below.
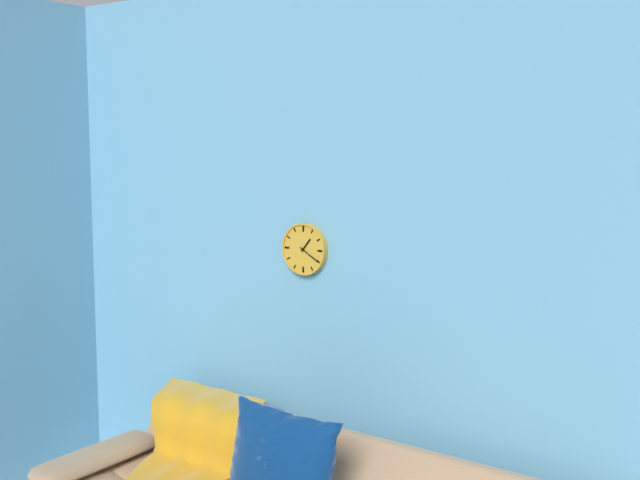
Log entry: 1 h 20 min
